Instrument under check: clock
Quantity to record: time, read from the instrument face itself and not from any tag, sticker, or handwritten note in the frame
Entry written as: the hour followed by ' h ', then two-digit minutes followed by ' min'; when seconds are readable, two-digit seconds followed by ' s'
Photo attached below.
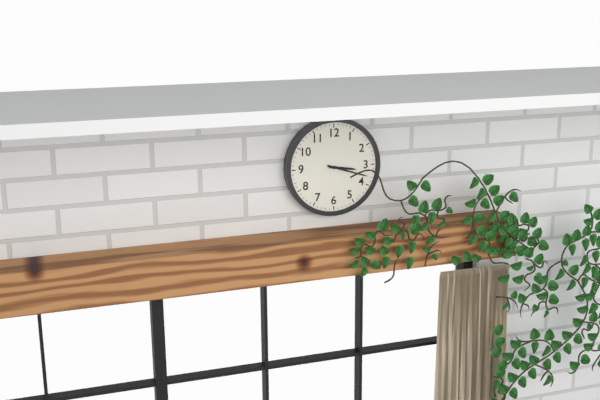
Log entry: 3 h 18 min
